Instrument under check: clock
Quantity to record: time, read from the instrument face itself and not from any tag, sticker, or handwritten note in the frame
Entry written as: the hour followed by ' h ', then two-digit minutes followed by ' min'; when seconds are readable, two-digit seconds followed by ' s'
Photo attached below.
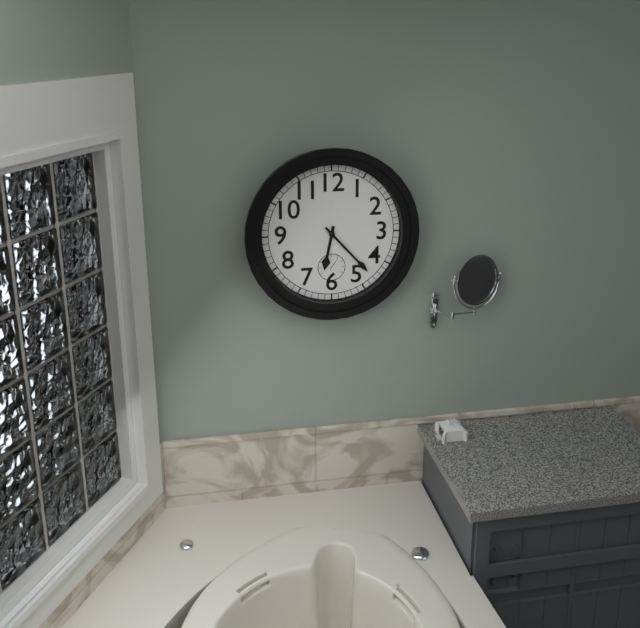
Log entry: 6 h 23 min
